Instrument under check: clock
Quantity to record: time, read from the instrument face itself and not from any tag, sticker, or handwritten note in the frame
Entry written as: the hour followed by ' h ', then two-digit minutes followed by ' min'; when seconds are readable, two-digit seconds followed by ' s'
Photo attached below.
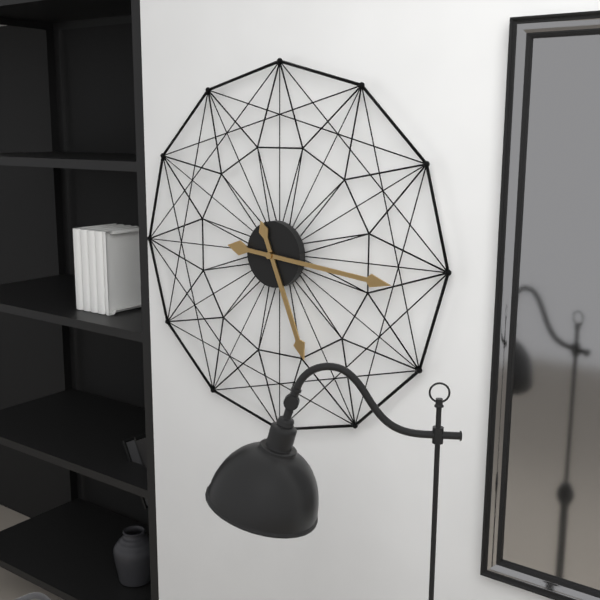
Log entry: 5 h 16 min
